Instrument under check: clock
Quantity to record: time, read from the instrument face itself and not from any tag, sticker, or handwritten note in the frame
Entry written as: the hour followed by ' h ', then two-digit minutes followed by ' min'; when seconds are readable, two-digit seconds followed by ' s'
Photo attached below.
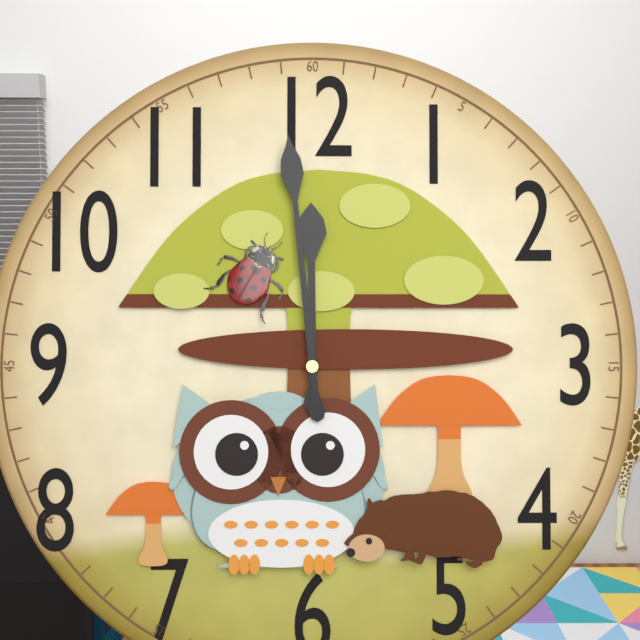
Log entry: 11 h 59 min
